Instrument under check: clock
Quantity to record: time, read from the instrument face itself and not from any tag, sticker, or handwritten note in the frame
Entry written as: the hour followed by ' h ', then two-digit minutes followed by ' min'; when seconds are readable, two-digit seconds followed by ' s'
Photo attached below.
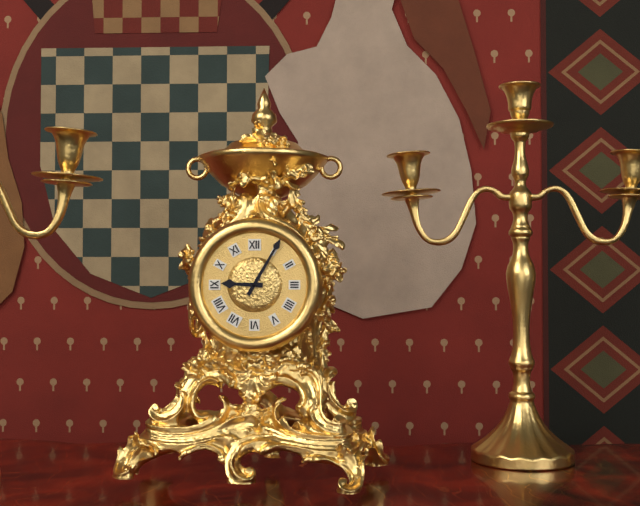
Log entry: 9 h 05 min
